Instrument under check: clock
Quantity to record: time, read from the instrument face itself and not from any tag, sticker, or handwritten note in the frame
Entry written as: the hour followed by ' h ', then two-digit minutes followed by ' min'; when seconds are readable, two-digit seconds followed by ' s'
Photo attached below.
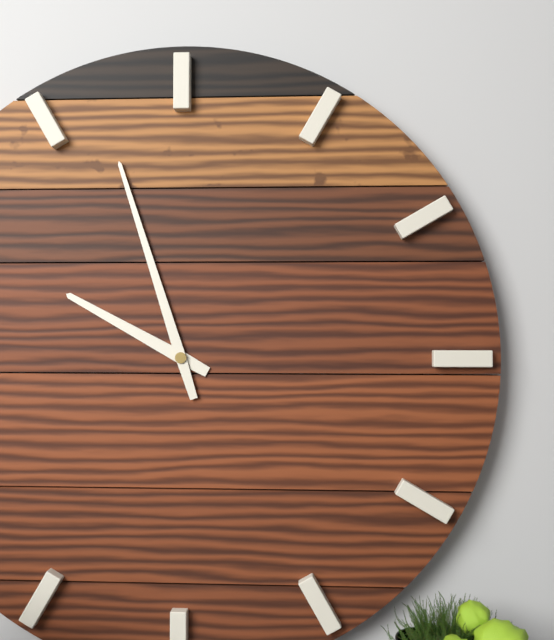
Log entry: 9 h 57 min
